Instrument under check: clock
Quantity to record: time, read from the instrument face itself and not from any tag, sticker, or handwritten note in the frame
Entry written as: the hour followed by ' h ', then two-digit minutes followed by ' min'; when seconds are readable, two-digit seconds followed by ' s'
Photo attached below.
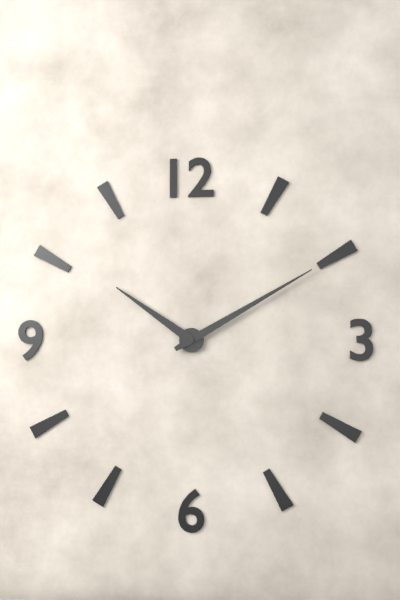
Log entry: 10 h 10 min
